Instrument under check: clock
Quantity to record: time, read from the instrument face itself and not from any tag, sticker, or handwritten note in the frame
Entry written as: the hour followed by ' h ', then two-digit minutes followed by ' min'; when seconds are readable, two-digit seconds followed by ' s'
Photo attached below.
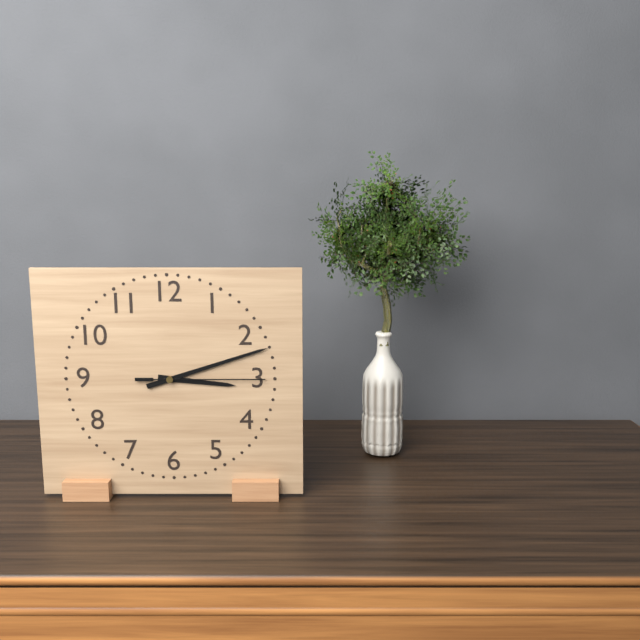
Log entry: 3 h 12 min 15 s
